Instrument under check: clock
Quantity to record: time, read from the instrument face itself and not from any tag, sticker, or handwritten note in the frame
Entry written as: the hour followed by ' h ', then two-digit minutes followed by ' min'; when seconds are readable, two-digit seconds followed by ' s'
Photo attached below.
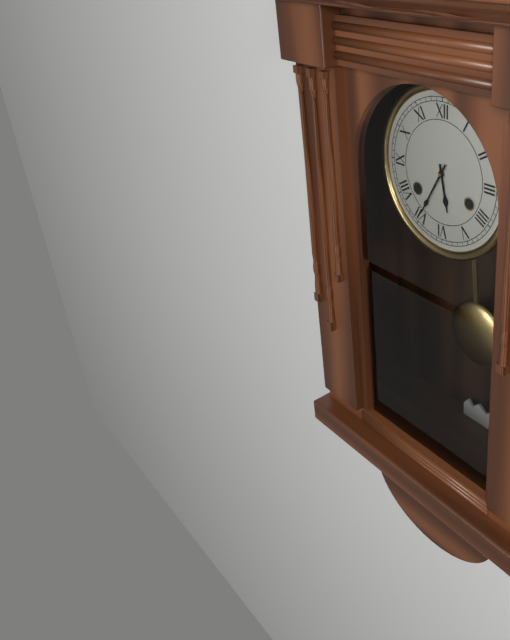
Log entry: 5 h 35 min
